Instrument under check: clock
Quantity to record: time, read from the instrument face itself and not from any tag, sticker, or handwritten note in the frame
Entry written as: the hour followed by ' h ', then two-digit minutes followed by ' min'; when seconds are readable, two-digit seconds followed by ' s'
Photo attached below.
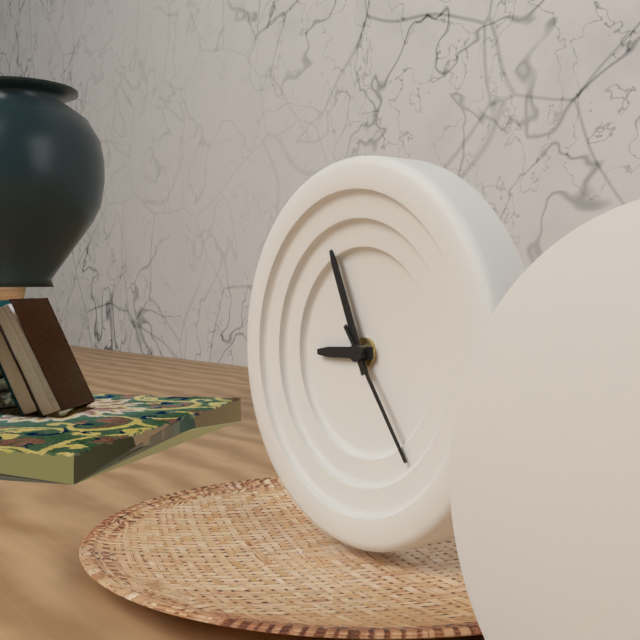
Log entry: 8 h 56 min 24 s
